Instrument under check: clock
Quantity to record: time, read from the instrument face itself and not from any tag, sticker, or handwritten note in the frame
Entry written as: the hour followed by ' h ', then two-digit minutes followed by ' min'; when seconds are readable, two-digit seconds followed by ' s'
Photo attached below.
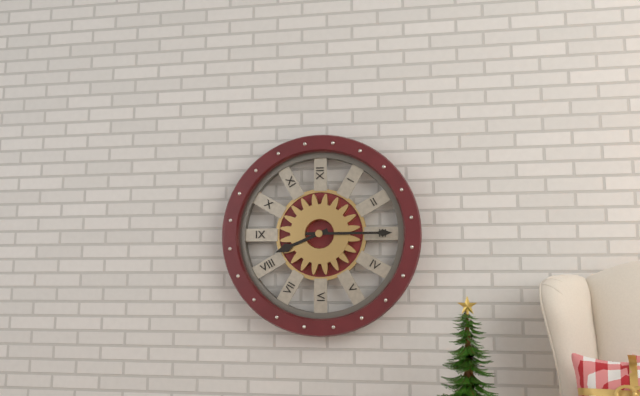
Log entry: 8 h 15 min
